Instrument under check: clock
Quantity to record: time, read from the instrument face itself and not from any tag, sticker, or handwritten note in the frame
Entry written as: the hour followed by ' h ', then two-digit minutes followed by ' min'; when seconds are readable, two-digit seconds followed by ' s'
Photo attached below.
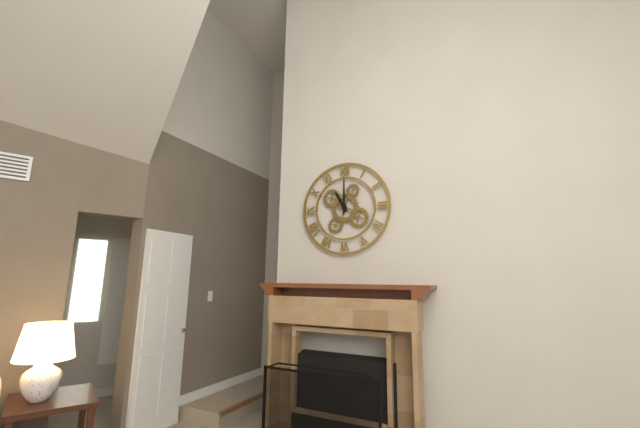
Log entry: 11 h 00 min
